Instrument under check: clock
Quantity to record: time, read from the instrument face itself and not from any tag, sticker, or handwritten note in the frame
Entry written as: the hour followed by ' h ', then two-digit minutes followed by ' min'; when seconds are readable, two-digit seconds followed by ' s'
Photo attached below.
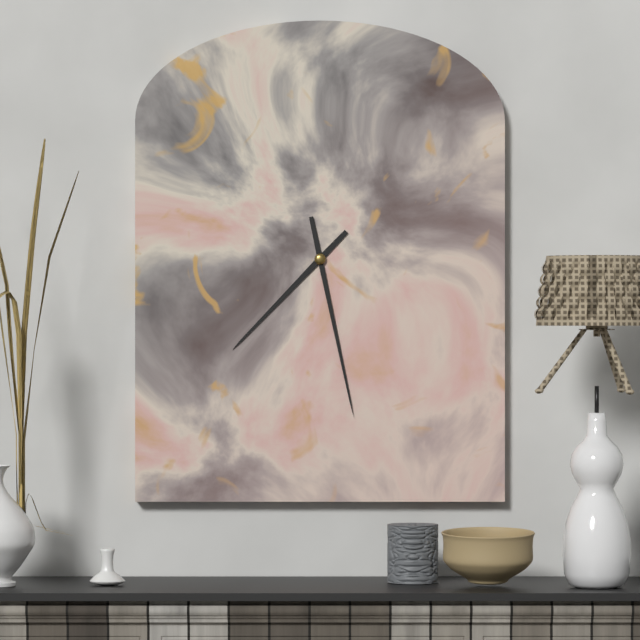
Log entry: 7 h 28 min
